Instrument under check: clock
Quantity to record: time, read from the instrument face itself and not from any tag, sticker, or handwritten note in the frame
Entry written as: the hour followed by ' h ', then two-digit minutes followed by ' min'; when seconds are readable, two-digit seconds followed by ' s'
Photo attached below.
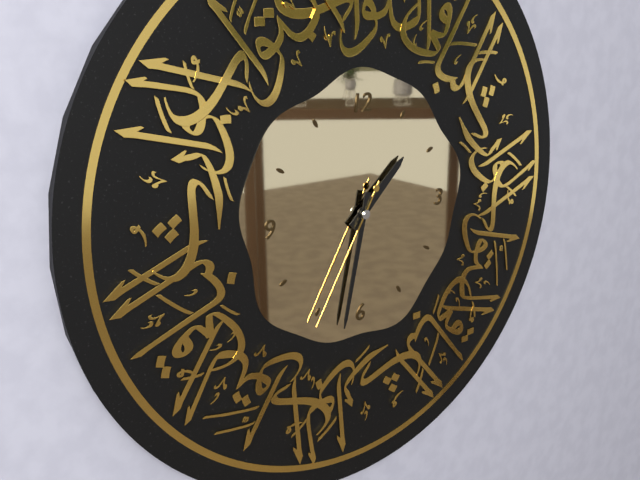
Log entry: 1 h 32 min 35 s
